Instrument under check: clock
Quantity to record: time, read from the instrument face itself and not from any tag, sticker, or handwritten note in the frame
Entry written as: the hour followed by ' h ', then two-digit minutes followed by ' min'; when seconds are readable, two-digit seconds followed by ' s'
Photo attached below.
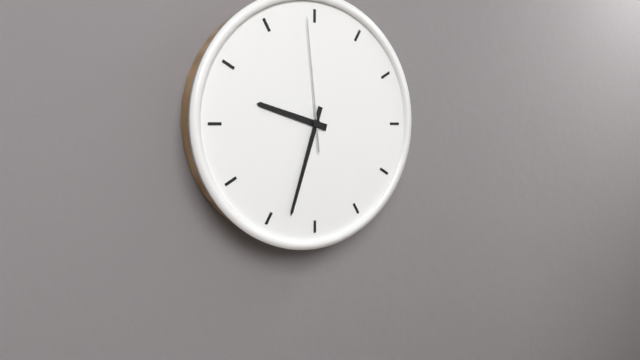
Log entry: 9 h 33 min 59 s
